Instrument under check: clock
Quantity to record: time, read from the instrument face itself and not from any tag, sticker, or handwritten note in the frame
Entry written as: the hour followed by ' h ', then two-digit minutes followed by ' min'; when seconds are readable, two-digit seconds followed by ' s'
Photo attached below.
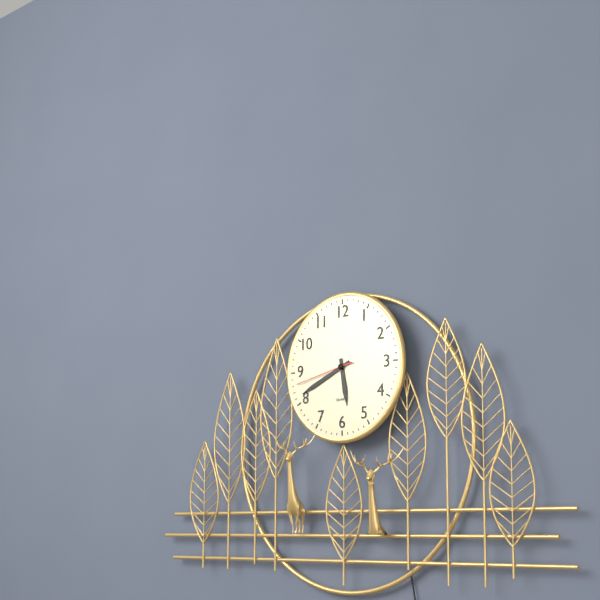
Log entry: 5 h 41 min 43 s
